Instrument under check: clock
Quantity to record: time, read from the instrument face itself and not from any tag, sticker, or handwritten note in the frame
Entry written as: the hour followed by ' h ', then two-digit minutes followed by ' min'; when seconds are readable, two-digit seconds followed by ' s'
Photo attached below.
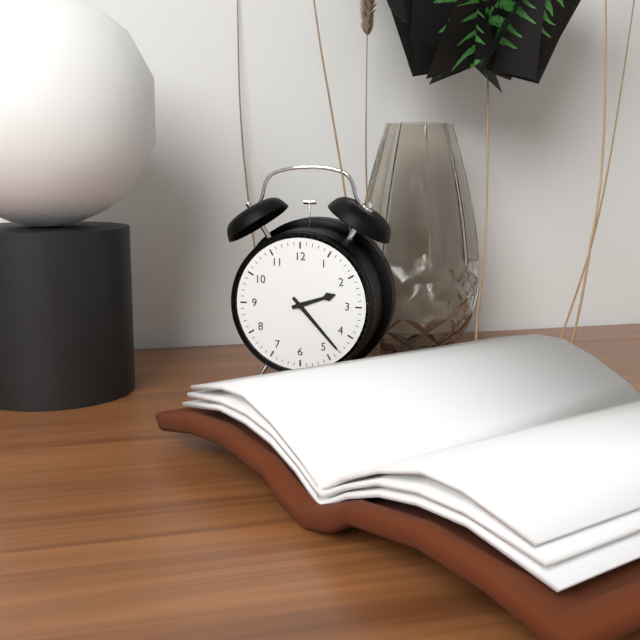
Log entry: 2 h 23 min
